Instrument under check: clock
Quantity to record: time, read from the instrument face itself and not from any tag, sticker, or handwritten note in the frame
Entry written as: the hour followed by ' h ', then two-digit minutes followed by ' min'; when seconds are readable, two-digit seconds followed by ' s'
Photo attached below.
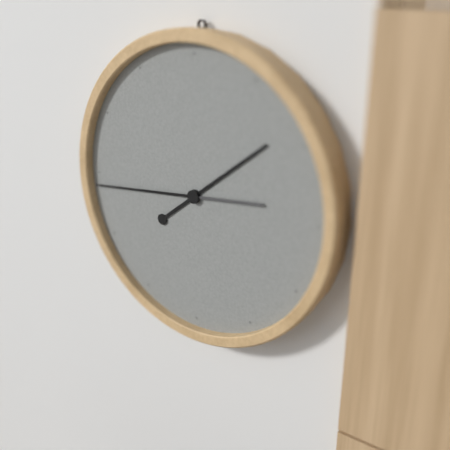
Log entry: 1 h 44 min
